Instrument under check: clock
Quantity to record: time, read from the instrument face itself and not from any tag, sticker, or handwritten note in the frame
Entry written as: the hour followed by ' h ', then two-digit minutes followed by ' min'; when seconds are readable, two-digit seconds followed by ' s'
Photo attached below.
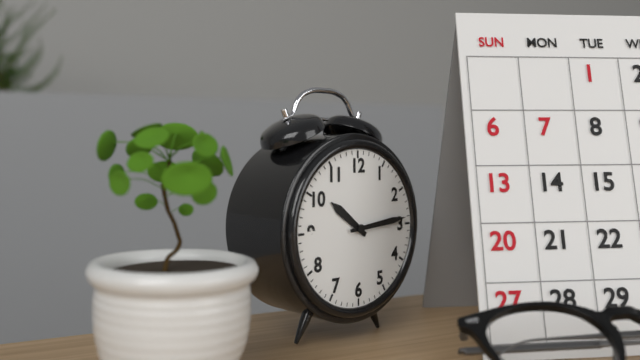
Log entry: 10 h 14 min
